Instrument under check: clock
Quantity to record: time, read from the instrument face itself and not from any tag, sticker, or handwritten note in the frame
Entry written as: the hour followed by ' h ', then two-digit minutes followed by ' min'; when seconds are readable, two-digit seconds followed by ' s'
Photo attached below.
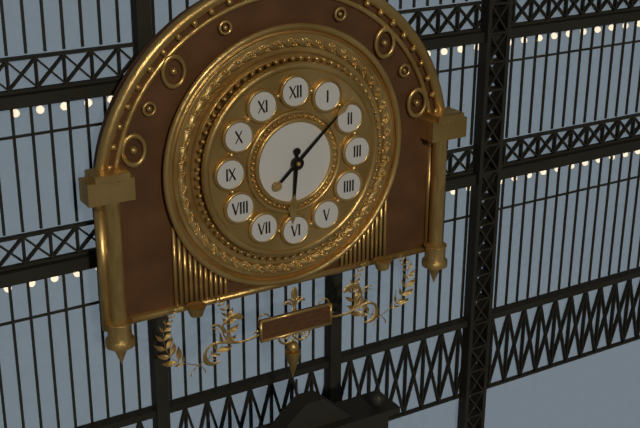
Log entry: 6 h 08 min
